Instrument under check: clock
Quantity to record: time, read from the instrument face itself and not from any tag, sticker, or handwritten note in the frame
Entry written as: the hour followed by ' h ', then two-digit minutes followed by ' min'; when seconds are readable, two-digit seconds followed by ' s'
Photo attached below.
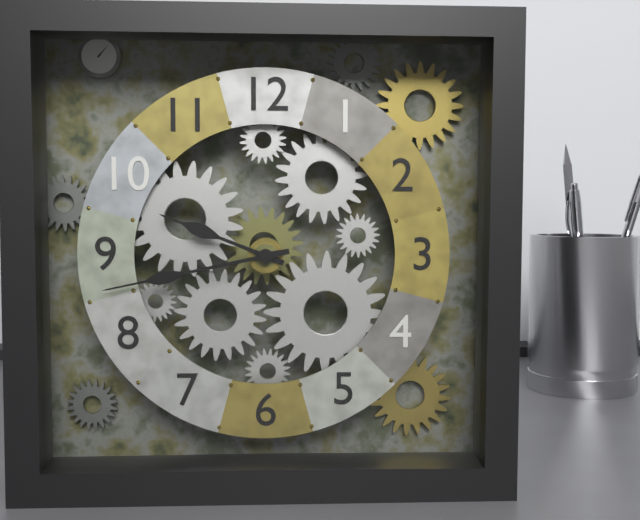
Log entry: 9 h 43 min
